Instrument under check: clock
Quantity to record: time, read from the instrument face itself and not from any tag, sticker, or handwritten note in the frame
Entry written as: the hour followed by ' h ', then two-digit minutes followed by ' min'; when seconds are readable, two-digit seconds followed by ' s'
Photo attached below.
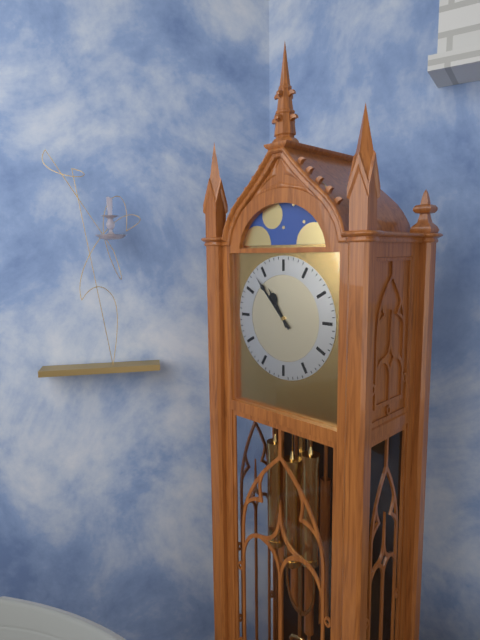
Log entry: 10 h 53 min
